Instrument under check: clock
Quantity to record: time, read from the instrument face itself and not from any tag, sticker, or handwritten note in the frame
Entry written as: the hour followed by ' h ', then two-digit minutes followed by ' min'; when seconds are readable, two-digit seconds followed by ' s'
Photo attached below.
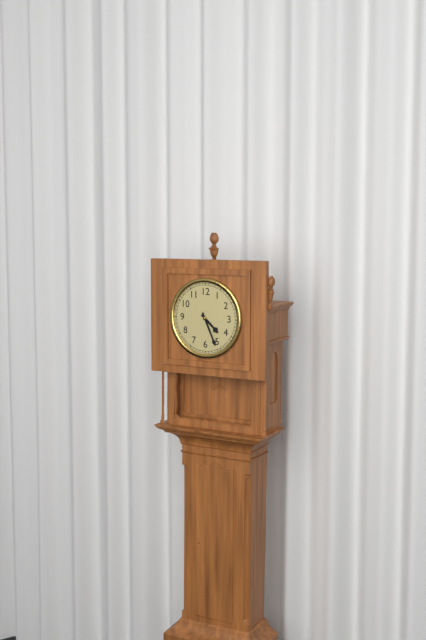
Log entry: 4 h 26 min
